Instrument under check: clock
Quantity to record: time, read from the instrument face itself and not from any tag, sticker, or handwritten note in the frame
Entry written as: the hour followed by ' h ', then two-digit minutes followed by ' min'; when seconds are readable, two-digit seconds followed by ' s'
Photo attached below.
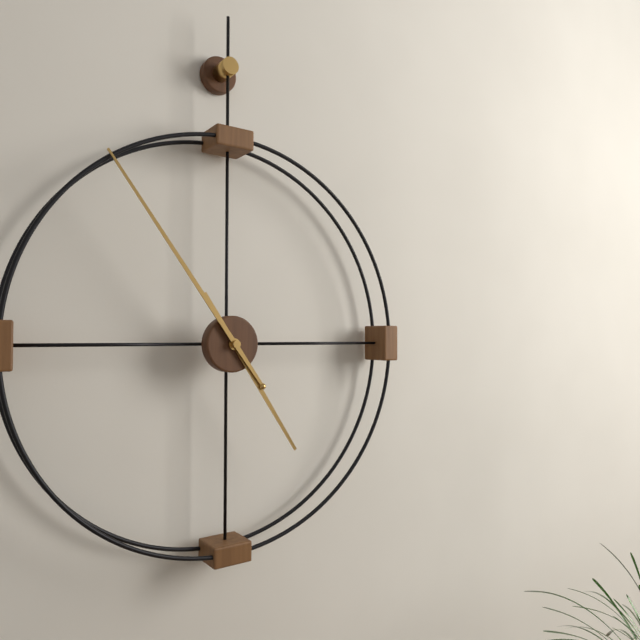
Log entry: 4 h 54 min
